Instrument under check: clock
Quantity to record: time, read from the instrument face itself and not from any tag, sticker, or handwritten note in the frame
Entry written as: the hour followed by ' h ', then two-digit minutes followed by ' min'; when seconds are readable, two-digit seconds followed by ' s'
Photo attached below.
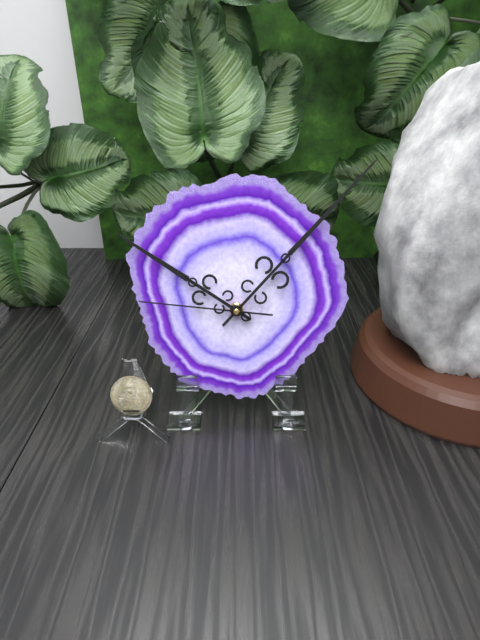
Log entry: 10 h 07 min 46 s
